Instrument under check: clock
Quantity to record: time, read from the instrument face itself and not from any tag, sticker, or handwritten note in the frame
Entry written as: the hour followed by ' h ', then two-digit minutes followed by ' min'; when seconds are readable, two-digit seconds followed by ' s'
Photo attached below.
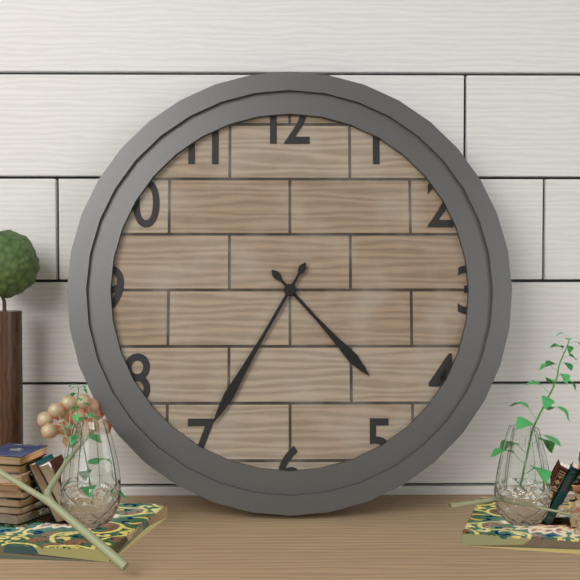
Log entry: 4 h 35 min
